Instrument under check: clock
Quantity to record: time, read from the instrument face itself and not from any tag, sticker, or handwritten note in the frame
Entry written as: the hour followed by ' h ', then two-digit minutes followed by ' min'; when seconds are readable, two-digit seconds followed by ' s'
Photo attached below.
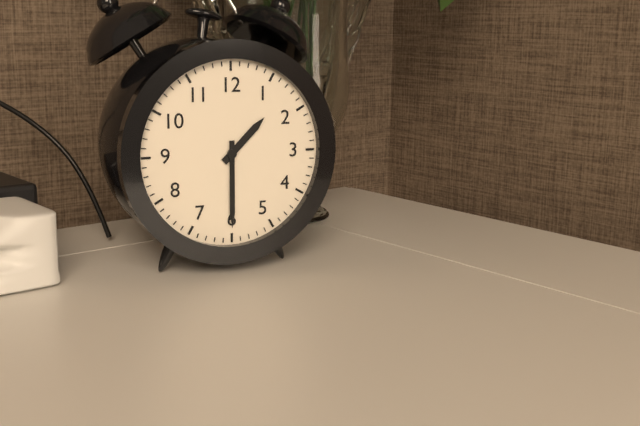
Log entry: 1 h 30 min
